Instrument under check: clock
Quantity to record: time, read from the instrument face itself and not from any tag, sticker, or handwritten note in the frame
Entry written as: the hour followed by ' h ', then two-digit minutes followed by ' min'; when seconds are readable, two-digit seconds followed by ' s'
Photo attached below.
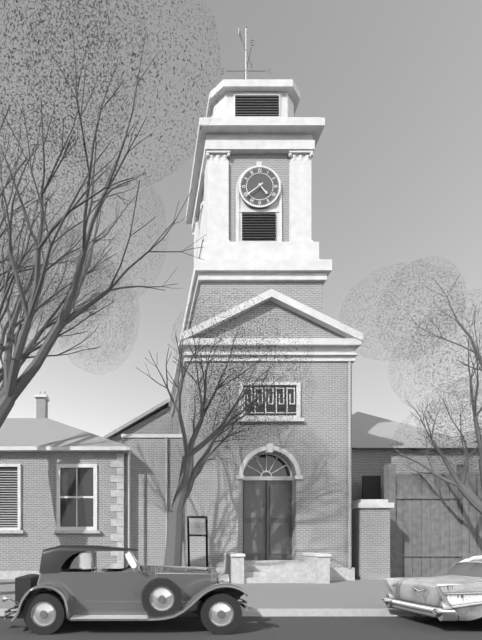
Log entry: 4 h 39 min
